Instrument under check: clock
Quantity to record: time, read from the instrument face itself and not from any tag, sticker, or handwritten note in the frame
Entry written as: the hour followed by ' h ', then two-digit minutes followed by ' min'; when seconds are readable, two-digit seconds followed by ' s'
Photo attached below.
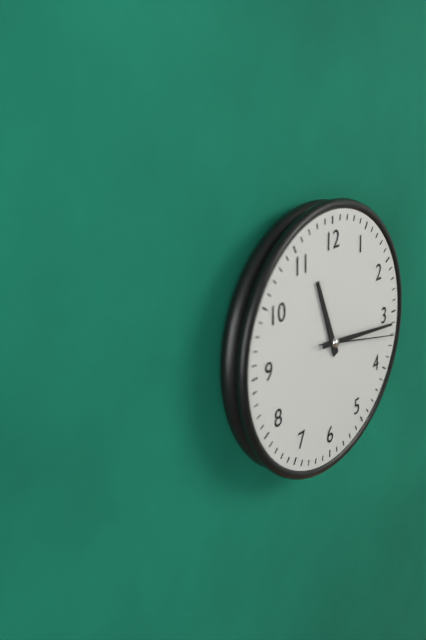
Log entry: 11 h 16 min 17 s
